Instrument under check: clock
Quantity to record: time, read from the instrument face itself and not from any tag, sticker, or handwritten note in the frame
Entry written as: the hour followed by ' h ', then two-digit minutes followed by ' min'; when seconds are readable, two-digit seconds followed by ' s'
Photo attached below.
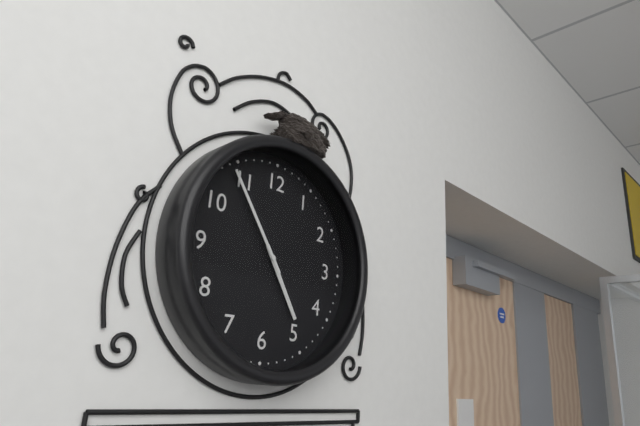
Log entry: 4 h 54 min
